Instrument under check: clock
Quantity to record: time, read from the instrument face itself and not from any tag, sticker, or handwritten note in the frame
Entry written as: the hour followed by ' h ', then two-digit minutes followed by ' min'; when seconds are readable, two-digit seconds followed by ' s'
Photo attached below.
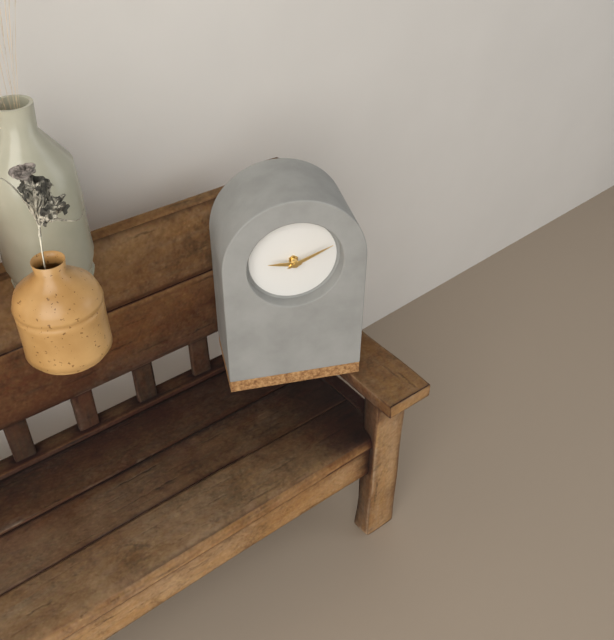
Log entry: 9 h 11 min
